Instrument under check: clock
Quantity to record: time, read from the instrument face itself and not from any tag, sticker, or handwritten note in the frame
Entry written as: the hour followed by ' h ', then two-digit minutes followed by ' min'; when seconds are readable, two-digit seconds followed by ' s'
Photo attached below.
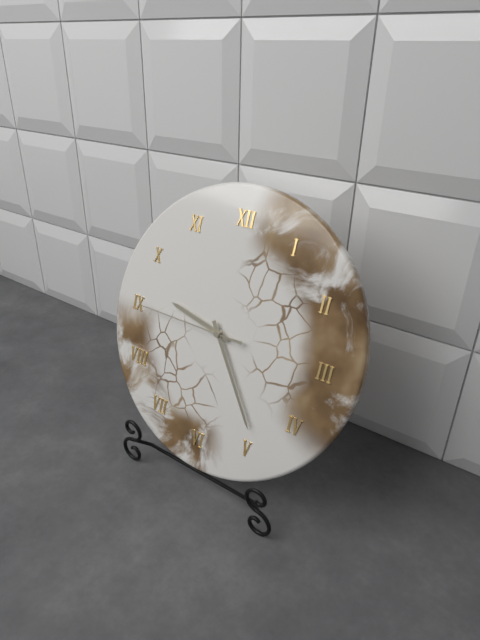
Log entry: 9 h 24 min 45 s
